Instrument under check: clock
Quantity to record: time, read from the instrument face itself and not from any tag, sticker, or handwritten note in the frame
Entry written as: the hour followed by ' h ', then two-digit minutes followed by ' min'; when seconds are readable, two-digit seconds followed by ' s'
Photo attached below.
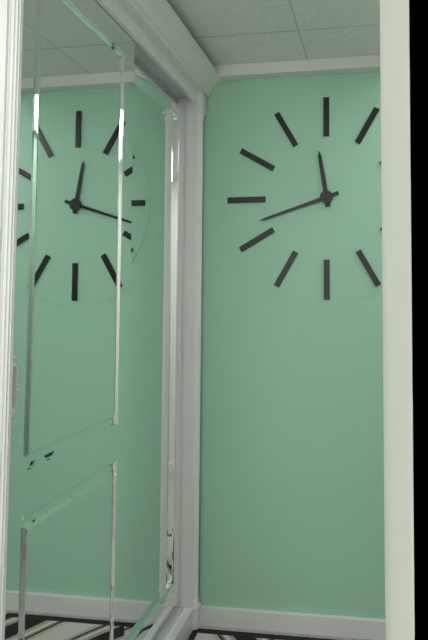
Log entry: 11 h 42 min
